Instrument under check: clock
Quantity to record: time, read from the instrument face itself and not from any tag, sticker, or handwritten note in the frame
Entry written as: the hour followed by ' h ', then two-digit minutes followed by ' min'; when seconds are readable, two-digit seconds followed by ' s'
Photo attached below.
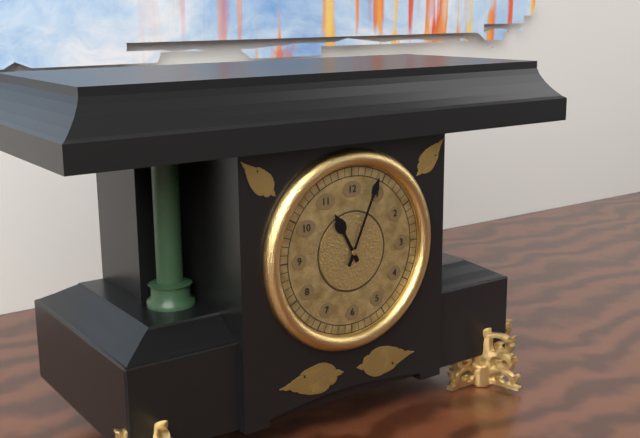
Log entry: 11 h 04 min
